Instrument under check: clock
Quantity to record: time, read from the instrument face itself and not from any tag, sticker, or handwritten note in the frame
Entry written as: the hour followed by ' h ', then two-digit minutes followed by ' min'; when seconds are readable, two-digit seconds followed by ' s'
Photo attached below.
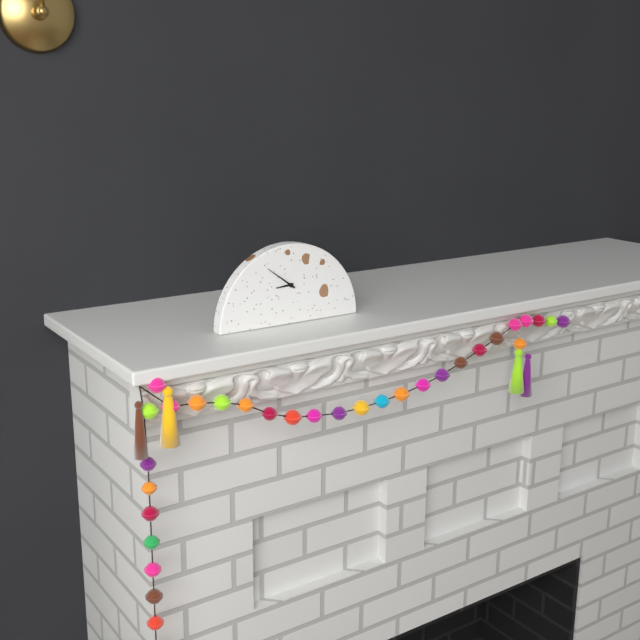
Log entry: 8 h 51 min
